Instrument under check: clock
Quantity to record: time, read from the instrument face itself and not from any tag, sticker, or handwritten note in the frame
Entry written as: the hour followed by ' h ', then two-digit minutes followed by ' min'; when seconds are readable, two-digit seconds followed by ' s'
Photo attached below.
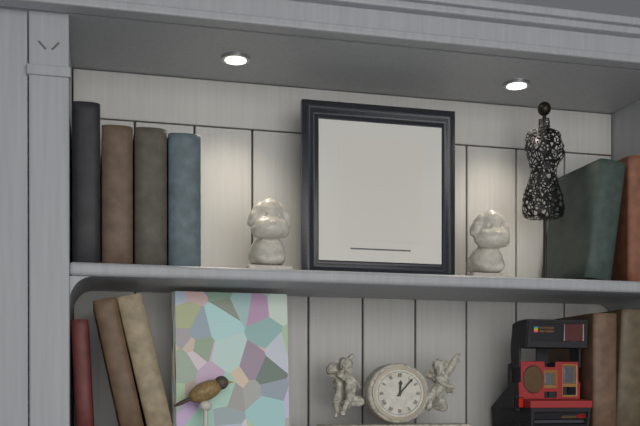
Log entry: 12 h 07 min
